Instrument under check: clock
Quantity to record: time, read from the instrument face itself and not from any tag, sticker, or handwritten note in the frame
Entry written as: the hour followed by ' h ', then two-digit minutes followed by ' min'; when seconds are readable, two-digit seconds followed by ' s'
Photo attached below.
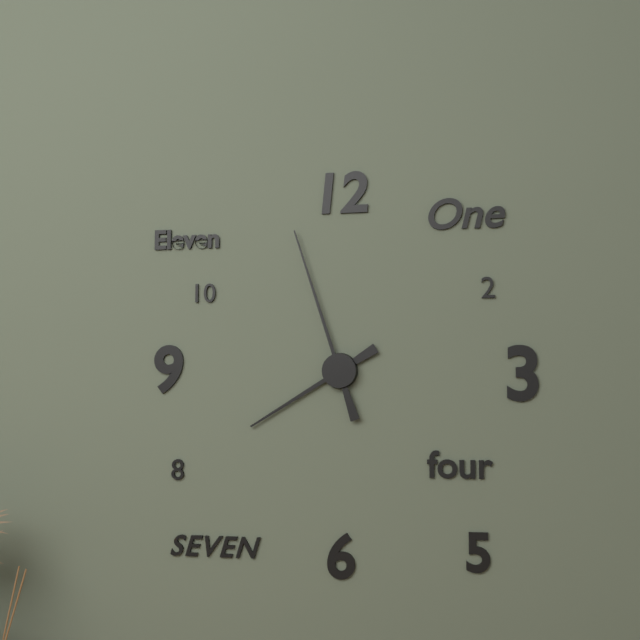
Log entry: 7 h 57 min
